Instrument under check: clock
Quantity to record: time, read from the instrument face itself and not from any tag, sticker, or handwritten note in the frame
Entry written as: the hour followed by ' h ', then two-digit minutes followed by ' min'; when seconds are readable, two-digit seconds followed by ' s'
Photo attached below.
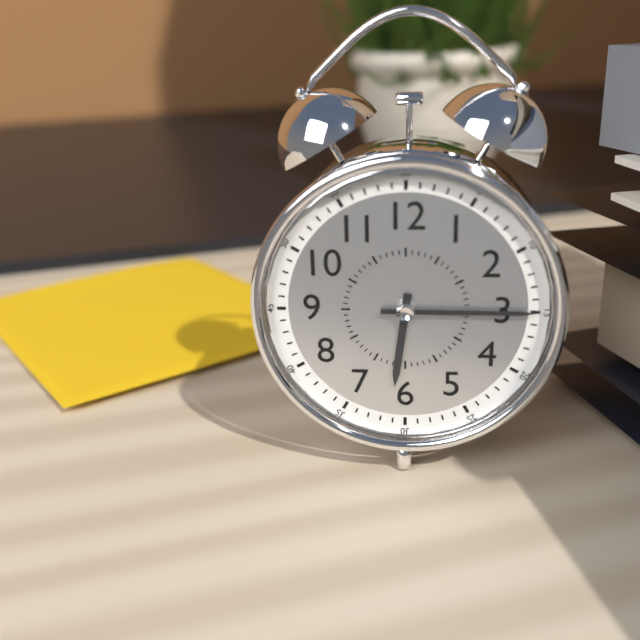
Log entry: 6 h 15 min
